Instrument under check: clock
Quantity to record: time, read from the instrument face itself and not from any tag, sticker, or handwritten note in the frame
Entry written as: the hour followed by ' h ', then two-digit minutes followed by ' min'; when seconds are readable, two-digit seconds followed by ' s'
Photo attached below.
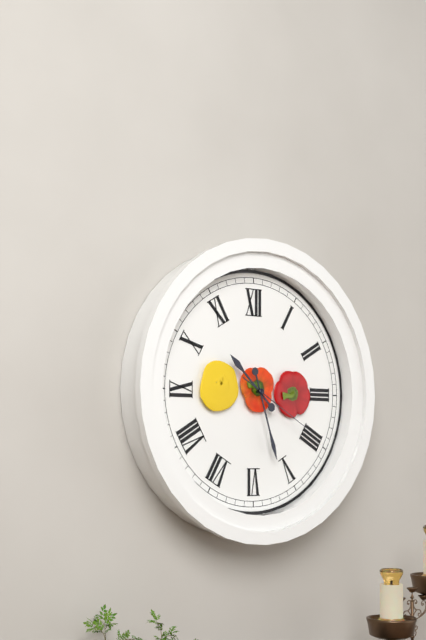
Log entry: 10 h 27 min 20 s
